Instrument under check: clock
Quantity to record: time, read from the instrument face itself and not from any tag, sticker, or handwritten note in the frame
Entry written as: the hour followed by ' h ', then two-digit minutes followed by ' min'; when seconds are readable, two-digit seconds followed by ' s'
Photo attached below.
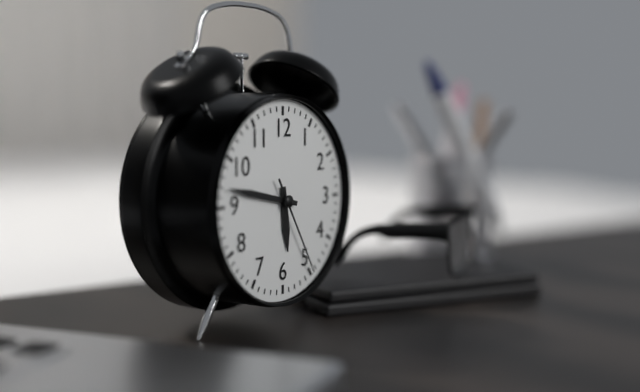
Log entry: 5 h 47 min 25 s
